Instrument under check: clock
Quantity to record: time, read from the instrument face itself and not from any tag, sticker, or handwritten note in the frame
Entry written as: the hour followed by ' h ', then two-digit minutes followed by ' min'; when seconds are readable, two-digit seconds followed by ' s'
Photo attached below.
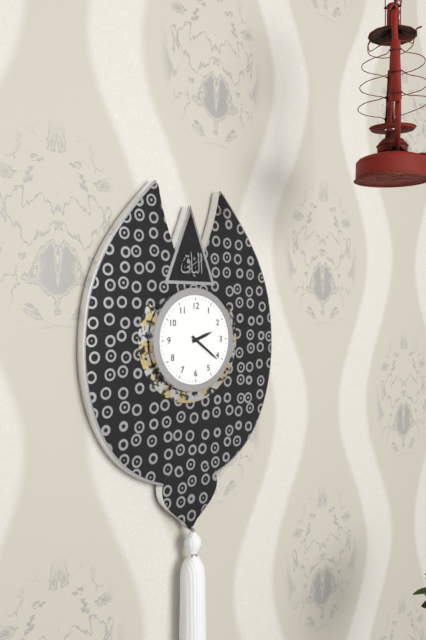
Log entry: 2 h 21 min
